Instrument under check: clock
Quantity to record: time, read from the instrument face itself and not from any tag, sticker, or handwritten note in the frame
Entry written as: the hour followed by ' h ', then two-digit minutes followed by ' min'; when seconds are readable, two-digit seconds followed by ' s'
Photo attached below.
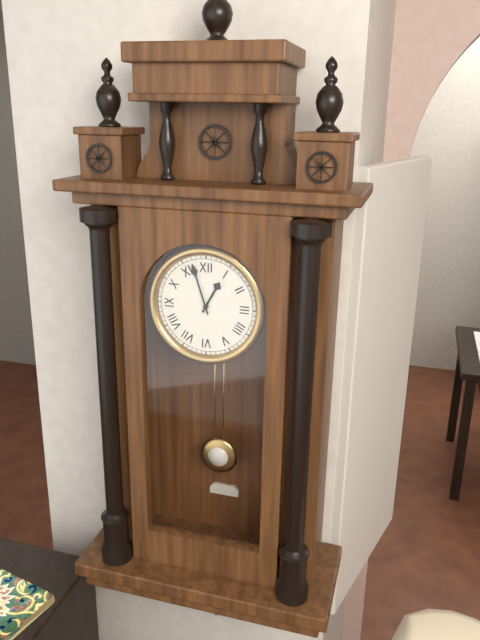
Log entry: 12 h 57 min
